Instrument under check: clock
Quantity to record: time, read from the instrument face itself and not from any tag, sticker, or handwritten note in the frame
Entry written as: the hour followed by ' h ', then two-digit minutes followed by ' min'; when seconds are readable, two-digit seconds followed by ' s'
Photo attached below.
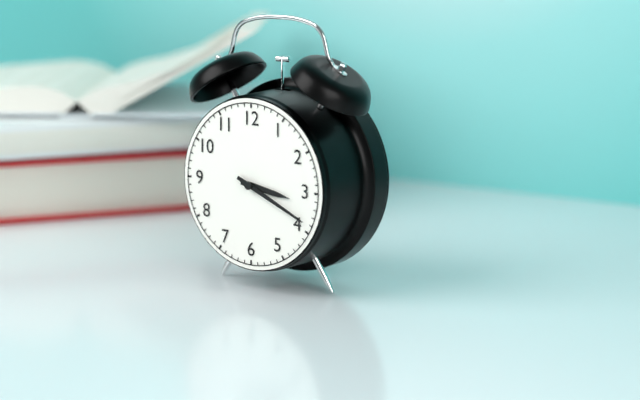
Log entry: 3 h 19 min
